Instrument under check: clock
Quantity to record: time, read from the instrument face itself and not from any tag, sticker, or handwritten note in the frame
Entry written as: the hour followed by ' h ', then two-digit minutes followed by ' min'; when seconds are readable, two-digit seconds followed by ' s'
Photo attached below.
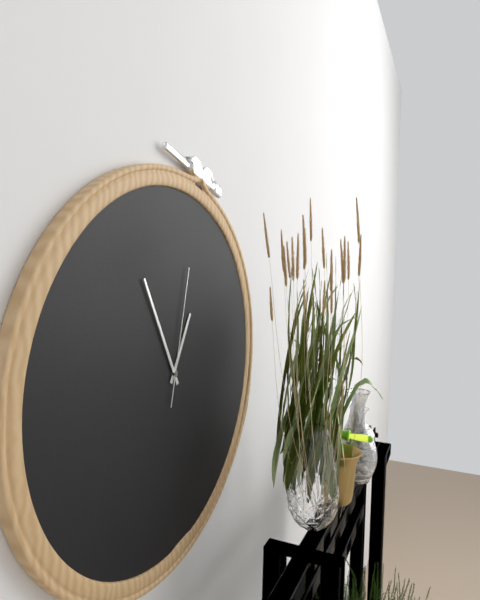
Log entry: 12 h 55 min 02 s
